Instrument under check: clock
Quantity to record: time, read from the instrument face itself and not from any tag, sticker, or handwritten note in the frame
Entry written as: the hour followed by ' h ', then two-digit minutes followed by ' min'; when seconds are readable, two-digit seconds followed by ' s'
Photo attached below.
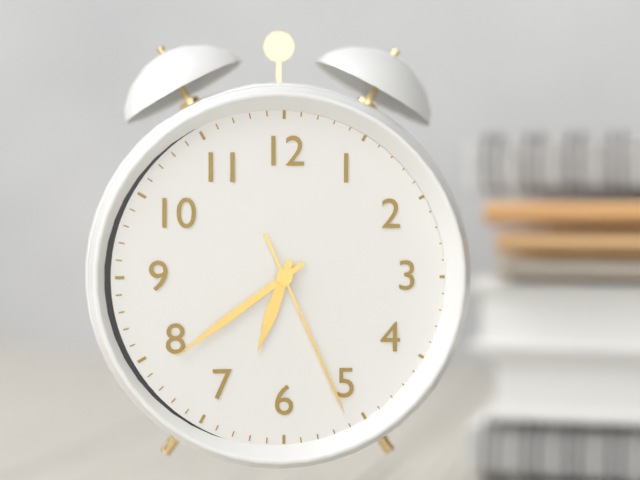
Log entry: 6 h 39 min 26 s
